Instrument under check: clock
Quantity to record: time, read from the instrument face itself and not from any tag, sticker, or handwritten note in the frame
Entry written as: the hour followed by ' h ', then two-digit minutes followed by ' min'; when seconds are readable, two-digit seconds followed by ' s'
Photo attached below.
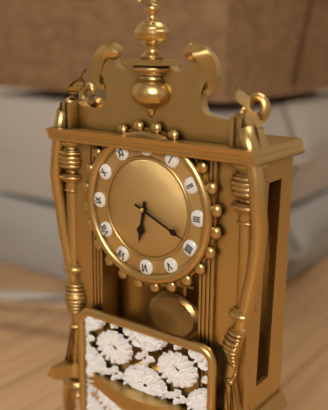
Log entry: 6 h 19 min
